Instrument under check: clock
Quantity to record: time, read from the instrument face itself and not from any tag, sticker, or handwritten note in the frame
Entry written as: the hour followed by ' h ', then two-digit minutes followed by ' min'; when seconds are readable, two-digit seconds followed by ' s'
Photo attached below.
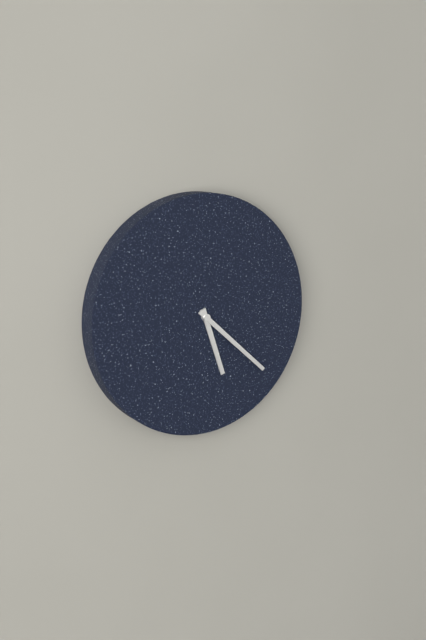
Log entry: 5 h 22 min
